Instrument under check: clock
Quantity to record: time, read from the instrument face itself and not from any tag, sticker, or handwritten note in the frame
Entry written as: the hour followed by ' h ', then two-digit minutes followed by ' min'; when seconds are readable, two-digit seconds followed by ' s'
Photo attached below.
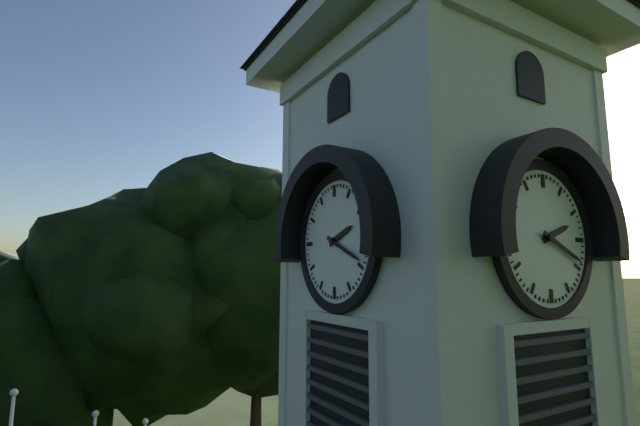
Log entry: 2 h 19 min
